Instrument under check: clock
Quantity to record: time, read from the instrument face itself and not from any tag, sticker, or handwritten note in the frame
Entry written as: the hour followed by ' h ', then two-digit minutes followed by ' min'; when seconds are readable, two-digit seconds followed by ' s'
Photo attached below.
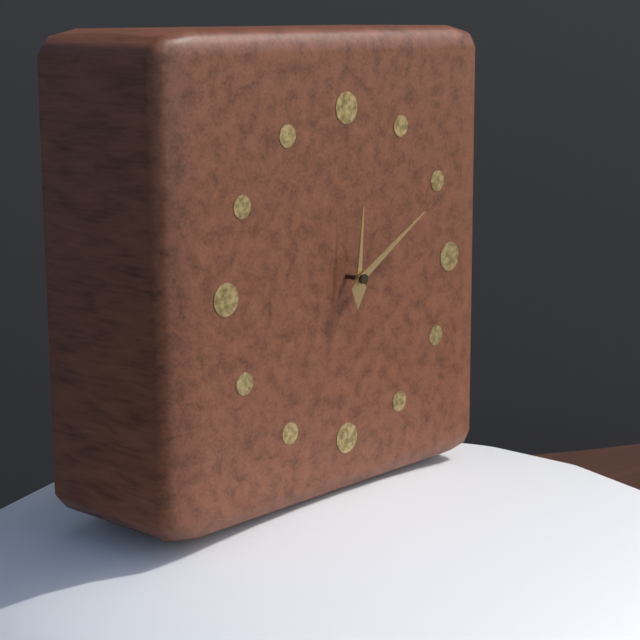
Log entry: 12 h 10 min
